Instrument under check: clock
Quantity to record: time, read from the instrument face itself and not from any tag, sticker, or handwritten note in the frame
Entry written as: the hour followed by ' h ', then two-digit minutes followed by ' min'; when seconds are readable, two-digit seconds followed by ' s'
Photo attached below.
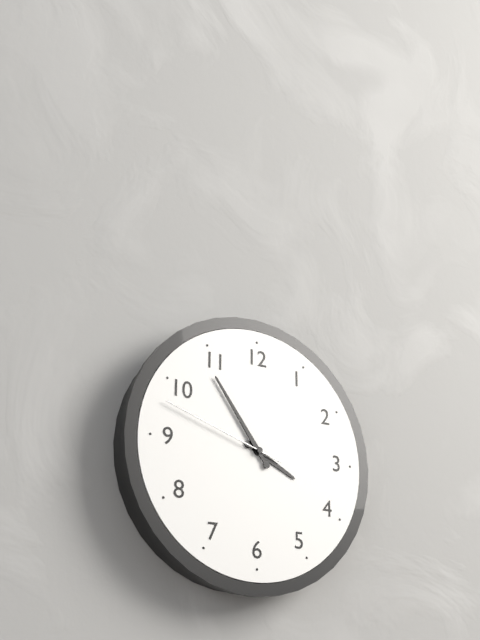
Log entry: 3 h 54 min 48 s
